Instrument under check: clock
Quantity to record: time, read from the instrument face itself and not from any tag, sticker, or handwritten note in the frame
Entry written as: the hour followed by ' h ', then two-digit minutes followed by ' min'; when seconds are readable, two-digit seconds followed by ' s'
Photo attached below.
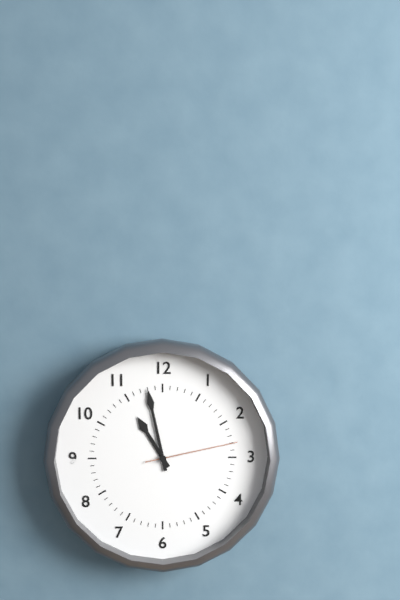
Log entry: 10 h 58 min 13 s
